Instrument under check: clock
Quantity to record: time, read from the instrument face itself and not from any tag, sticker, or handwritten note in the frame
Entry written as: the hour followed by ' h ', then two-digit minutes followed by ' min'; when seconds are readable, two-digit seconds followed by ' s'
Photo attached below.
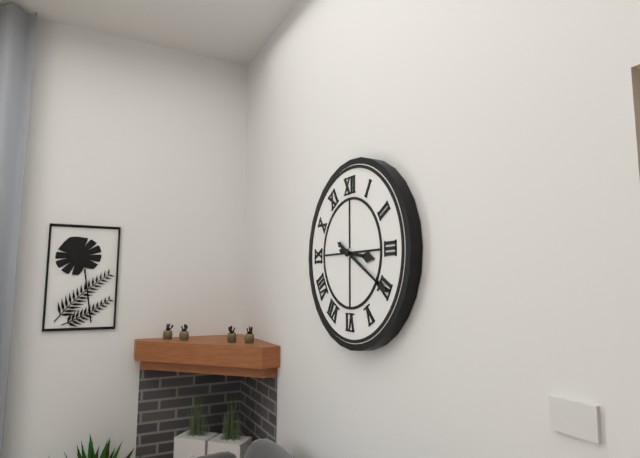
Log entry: 3 h 20 min
